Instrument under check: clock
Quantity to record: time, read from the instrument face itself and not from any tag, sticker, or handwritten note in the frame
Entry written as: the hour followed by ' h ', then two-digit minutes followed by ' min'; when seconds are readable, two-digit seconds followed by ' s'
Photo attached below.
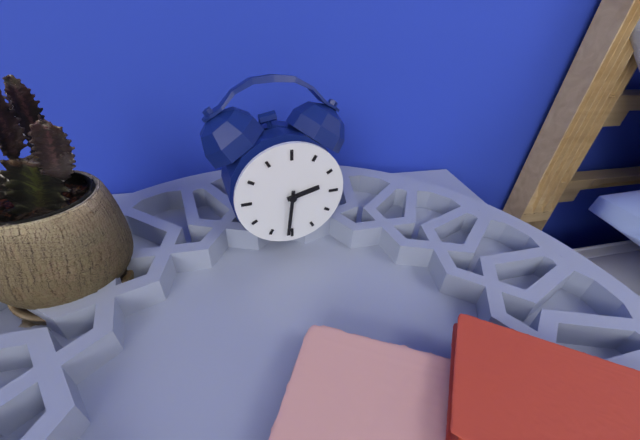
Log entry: 2 h 31 min
